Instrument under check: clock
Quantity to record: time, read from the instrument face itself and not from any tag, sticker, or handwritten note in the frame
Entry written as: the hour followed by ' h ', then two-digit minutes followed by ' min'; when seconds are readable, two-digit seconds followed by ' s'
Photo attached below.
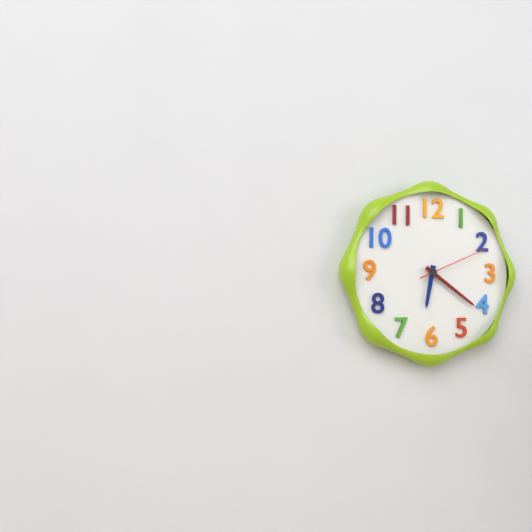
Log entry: 6 h 21 min 11 s
